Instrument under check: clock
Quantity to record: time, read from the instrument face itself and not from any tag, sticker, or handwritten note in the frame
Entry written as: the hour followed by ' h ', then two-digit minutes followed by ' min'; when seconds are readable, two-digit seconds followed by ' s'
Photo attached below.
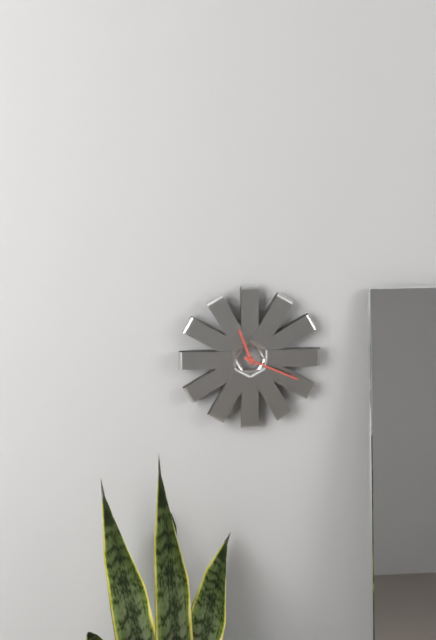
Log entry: 11 h 19 min
